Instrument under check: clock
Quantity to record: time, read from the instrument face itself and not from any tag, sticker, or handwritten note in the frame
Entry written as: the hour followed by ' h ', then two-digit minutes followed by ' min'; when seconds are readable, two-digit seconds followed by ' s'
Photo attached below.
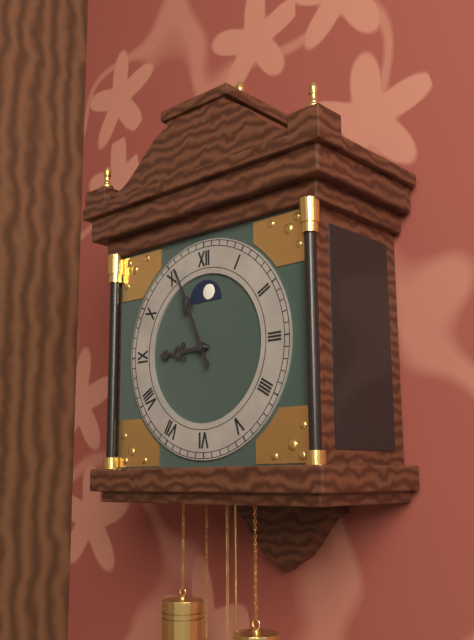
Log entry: 8 h 56 min
